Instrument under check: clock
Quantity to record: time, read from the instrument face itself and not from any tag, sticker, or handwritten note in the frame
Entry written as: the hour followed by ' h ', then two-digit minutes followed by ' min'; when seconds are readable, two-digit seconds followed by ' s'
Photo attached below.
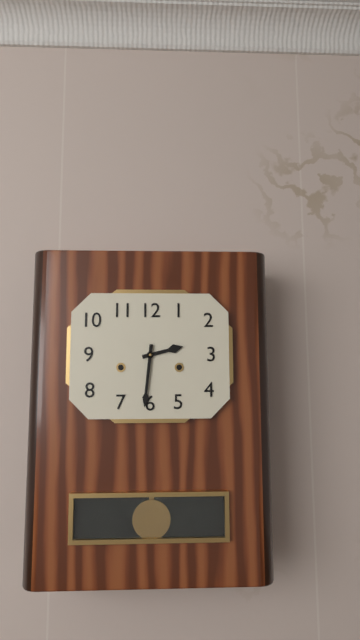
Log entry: 2 h 31 min
